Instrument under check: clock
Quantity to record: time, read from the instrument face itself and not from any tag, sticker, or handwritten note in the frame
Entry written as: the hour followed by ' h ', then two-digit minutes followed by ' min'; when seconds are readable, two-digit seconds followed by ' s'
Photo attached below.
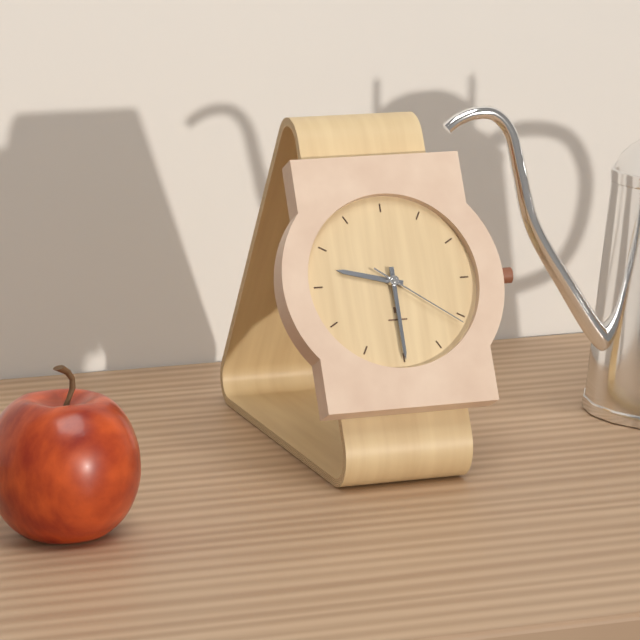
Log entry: 9 h 30 min 21 s
